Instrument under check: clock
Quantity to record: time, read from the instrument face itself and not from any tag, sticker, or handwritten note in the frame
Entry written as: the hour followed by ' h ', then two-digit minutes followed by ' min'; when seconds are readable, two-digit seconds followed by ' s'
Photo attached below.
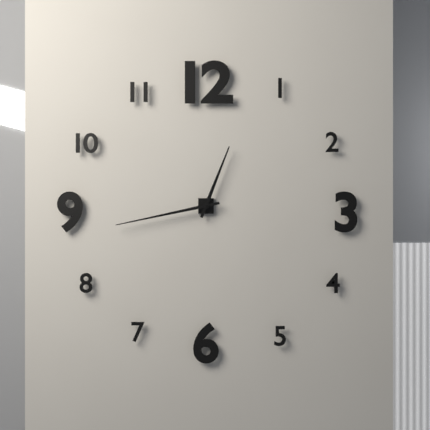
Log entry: 12 h 43 min
